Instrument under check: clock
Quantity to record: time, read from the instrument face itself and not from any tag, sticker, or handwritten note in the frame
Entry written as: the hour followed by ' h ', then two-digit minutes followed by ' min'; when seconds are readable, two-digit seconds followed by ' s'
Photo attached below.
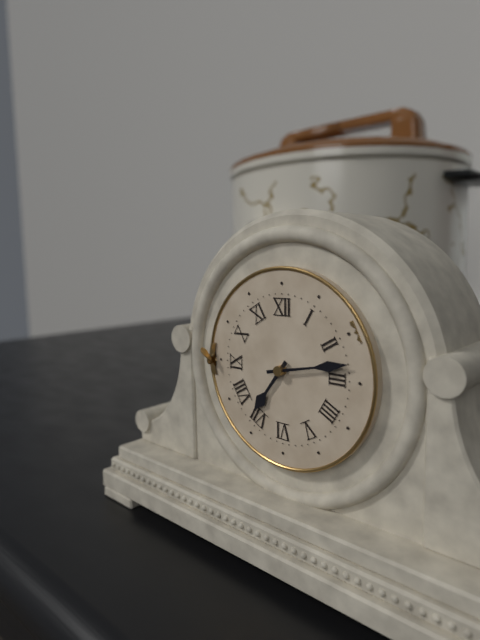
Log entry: 7 h 13 min
